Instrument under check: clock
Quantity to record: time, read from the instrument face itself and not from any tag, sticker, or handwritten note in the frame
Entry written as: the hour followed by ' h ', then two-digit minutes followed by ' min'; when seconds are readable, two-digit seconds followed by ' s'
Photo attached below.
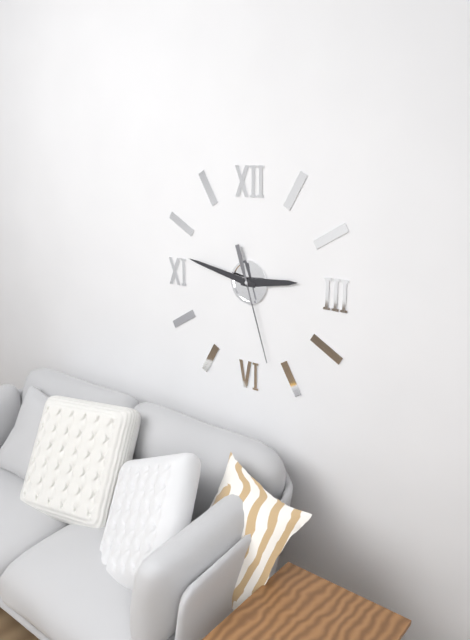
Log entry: 2 h 47 min 27 s
